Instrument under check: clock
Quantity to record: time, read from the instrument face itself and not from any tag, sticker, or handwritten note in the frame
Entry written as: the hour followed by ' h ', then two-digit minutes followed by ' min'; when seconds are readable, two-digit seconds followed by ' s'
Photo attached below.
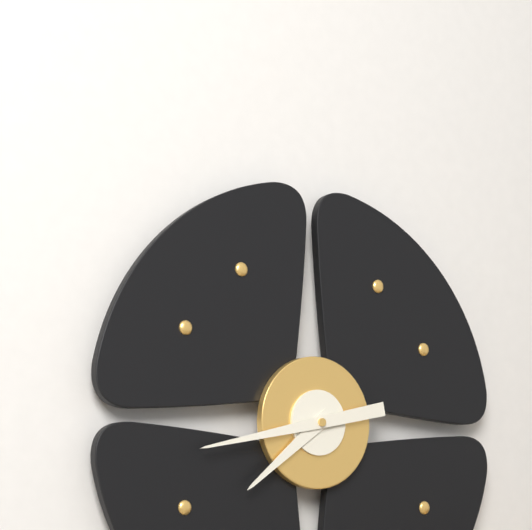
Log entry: 7 h 43 min
